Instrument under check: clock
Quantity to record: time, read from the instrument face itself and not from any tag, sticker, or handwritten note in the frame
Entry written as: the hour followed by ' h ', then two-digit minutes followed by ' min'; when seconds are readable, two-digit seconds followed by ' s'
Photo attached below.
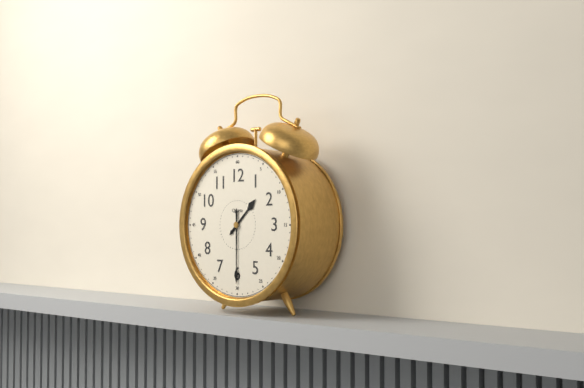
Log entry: 1 h 30 min
